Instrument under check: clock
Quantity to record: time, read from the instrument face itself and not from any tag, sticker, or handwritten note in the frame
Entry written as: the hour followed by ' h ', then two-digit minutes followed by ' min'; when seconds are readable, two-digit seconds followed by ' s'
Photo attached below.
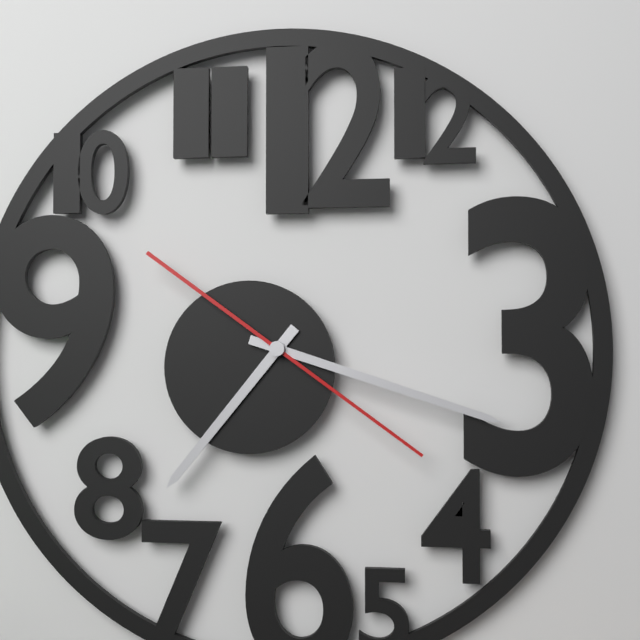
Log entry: 7 h 18 min 21 s
